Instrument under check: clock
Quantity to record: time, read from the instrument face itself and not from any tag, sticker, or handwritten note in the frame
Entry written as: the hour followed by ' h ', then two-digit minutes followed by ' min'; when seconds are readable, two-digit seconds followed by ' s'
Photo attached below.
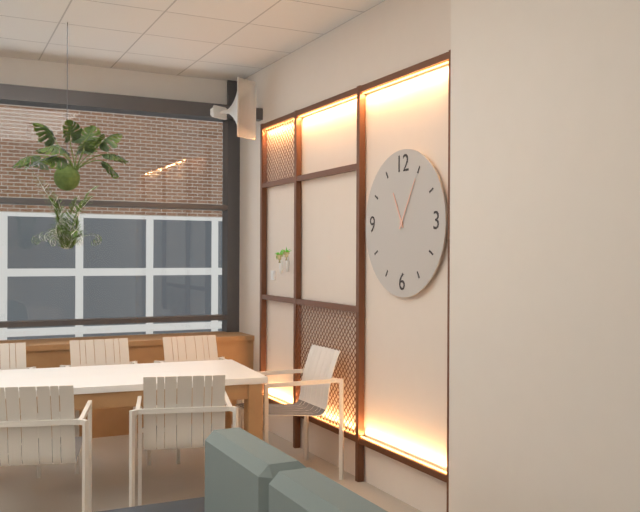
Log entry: 11 h 05 min
